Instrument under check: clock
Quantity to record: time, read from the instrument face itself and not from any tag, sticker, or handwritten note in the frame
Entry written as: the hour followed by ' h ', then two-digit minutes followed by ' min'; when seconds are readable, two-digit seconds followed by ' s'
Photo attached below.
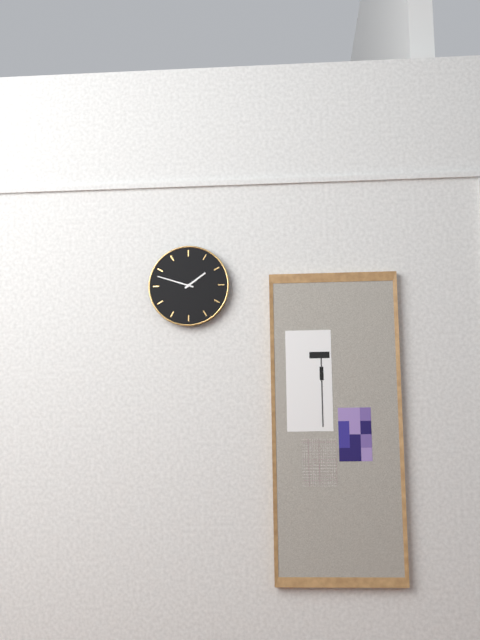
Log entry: 1 h 48 min
